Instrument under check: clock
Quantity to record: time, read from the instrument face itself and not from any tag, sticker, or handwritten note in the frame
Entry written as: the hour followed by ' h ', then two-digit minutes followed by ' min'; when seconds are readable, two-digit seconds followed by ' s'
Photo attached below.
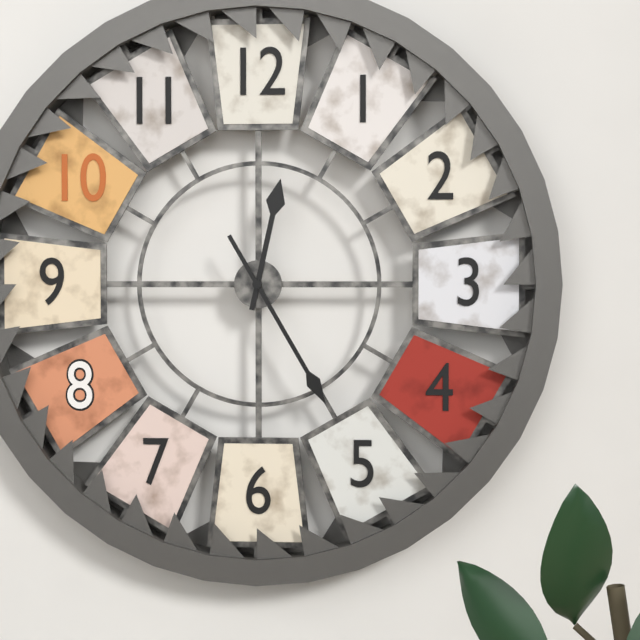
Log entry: 12 h 25 min
